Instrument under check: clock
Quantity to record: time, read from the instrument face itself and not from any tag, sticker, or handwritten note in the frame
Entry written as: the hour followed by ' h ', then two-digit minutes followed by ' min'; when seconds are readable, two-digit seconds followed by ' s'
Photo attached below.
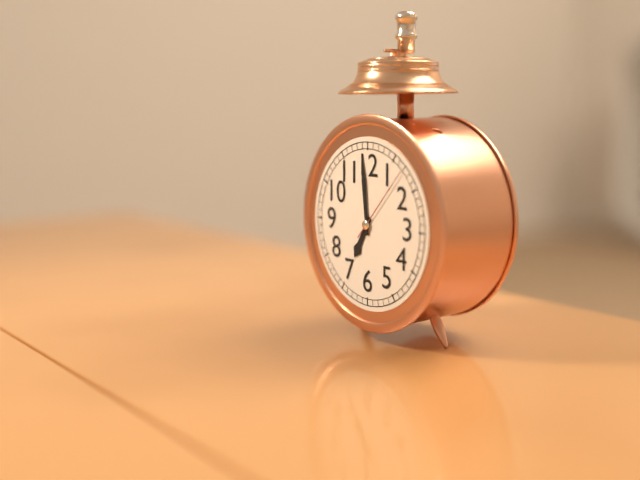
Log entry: 6 h 59 min 07 s
